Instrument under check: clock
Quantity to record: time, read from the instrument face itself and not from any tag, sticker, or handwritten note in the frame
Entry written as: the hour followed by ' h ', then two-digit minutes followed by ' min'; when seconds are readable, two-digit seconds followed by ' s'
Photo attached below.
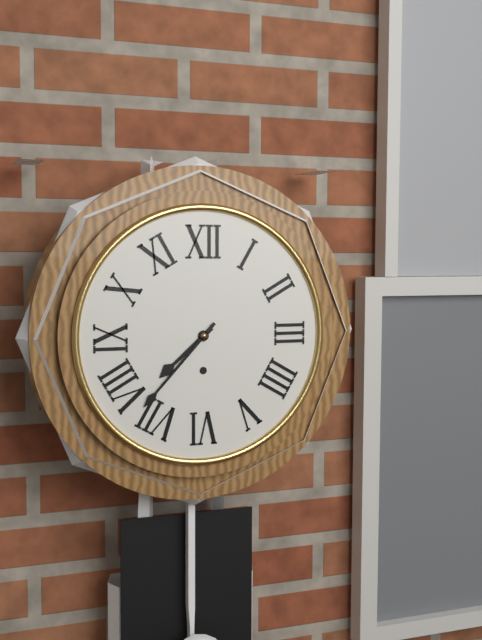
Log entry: 7 h 37 min
